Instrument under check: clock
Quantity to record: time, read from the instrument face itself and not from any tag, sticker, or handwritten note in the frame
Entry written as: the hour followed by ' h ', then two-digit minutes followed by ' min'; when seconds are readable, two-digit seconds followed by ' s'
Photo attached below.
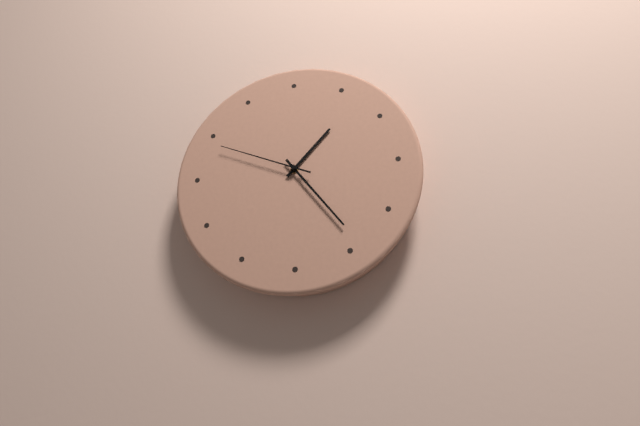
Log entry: 1 h 24 min 49 s
